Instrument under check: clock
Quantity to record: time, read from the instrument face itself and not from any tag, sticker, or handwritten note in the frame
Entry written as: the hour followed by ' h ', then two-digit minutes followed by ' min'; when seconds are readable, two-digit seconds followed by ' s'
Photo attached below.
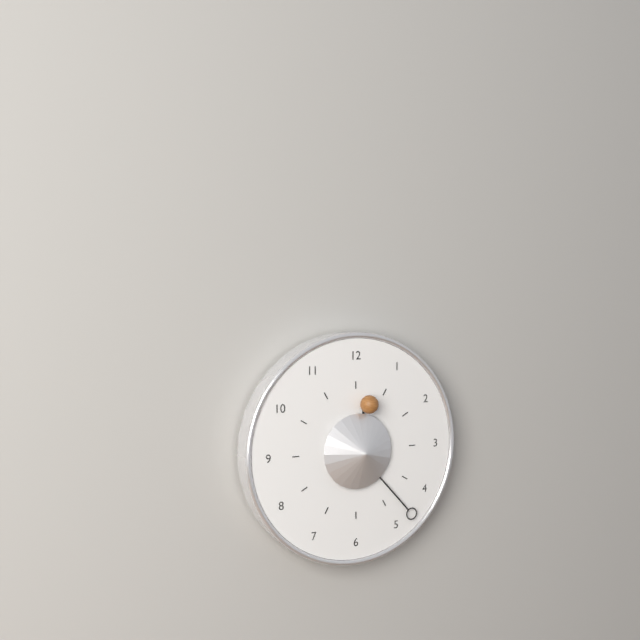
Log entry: 12 h 23 min
